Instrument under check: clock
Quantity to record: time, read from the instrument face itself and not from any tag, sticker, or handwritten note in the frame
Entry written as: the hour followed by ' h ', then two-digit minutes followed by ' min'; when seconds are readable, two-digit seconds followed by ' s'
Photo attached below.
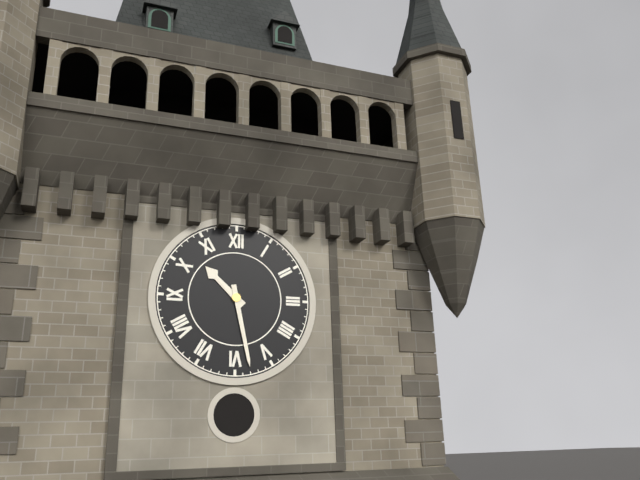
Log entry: 10 h 28 min
